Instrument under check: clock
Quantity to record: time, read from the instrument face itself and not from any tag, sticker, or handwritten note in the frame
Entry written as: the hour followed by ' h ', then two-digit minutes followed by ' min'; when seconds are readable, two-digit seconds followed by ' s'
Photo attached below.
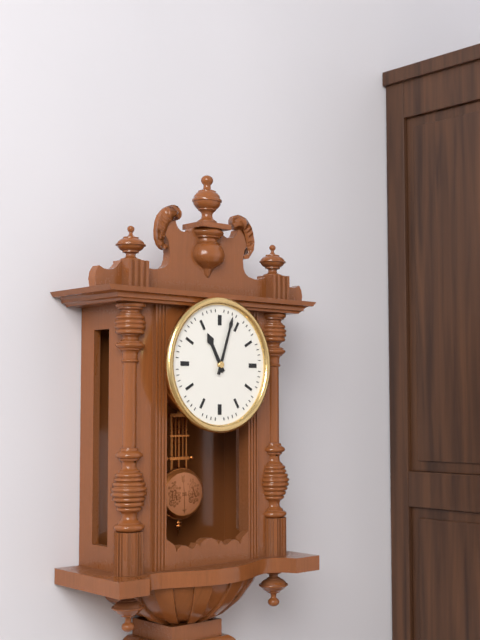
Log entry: 11 h 03 min
